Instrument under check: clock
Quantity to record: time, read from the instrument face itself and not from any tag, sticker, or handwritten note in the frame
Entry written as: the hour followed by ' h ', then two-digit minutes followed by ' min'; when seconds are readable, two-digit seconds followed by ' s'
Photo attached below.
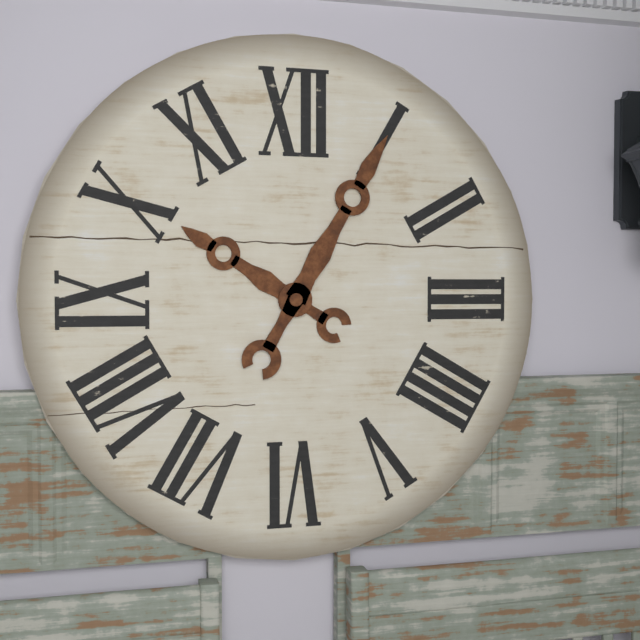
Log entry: 10 h 05 min
